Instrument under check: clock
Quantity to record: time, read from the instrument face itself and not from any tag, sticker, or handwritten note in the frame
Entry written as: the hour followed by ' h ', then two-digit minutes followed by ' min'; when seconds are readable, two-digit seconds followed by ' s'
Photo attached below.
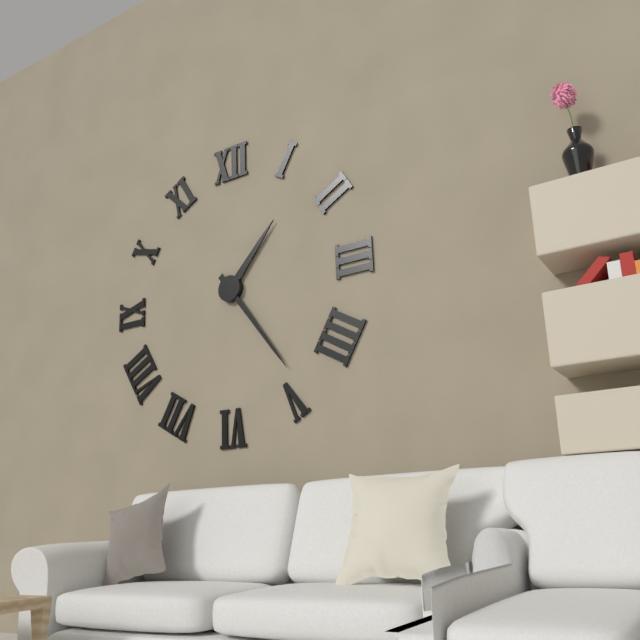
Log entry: 1 h 24 min
